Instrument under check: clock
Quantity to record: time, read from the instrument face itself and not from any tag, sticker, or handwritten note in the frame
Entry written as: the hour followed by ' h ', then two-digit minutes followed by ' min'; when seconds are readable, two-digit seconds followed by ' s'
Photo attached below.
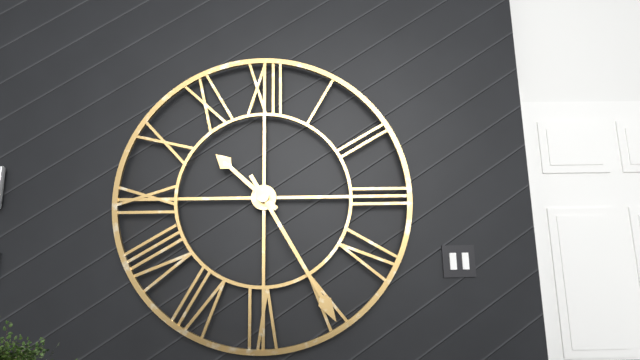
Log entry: 10 h 25 min
